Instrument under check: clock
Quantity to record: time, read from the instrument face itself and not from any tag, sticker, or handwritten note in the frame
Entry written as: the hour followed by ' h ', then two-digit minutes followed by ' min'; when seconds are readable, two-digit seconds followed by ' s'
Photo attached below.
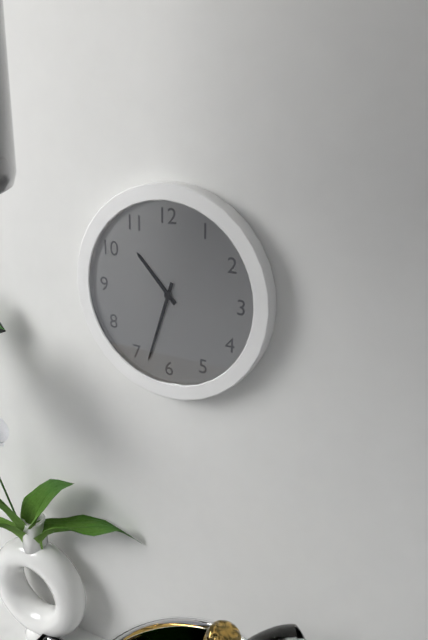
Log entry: 10 h 33 min
